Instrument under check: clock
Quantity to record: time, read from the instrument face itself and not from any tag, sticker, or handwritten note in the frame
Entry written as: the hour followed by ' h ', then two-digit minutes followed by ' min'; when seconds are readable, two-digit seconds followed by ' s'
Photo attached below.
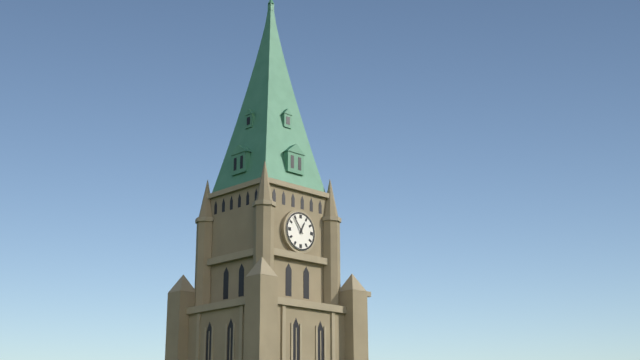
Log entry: 12 h 54 min
